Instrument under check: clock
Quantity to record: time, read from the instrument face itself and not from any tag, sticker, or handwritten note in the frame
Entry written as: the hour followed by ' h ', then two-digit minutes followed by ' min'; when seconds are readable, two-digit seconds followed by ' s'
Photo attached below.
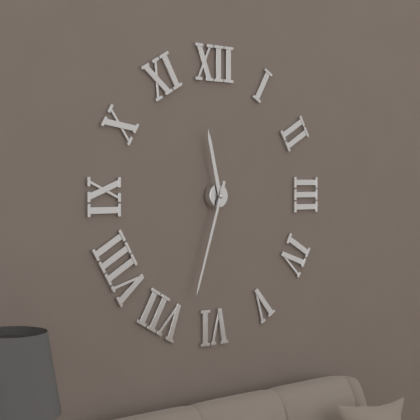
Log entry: 11 h 33 min
